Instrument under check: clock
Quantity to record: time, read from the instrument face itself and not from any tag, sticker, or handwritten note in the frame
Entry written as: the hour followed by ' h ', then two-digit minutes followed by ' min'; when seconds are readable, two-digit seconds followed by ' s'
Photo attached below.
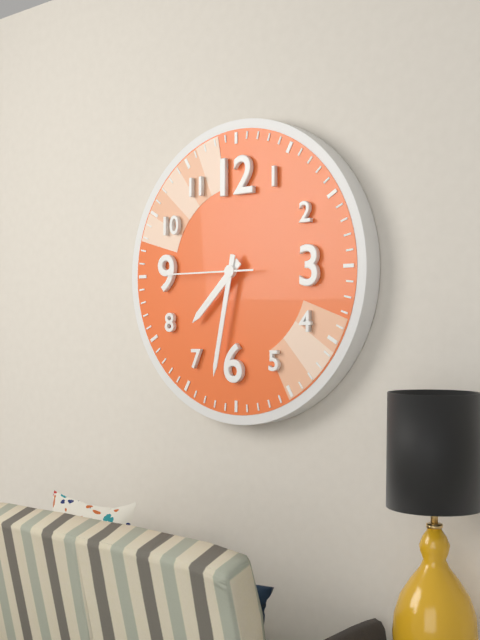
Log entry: 7 h 32 min 45 s
